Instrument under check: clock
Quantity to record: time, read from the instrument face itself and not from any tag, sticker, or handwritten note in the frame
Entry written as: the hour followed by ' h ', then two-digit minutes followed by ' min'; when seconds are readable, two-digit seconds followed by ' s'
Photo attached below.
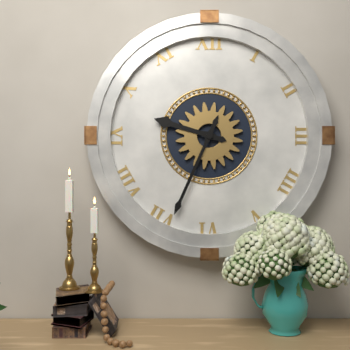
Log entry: 9 h 34 min
